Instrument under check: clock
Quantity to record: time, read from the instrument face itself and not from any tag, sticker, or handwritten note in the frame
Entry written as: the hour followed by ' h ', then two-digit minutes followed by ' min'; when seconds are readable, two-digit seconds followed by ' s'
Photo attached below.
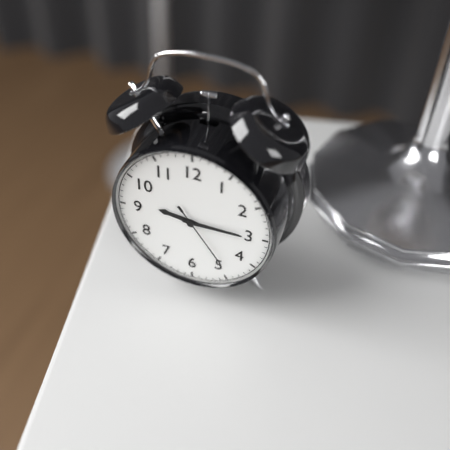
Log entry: 9 h 15 min 24 s
